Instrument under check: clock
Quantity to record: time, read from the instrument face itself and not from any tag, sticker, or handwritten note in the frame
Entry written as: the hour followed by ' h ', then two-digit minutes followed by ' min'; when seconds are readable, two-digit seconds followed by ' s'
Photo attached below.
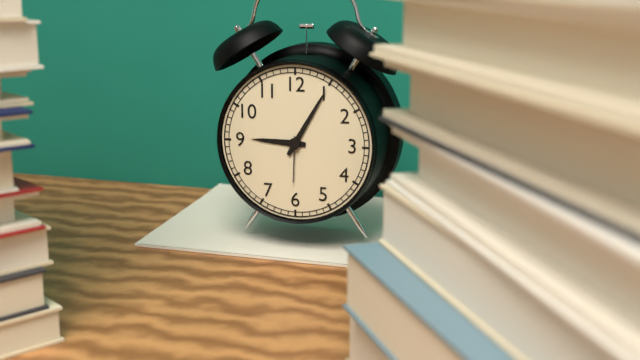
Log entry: 9 h 05 min
